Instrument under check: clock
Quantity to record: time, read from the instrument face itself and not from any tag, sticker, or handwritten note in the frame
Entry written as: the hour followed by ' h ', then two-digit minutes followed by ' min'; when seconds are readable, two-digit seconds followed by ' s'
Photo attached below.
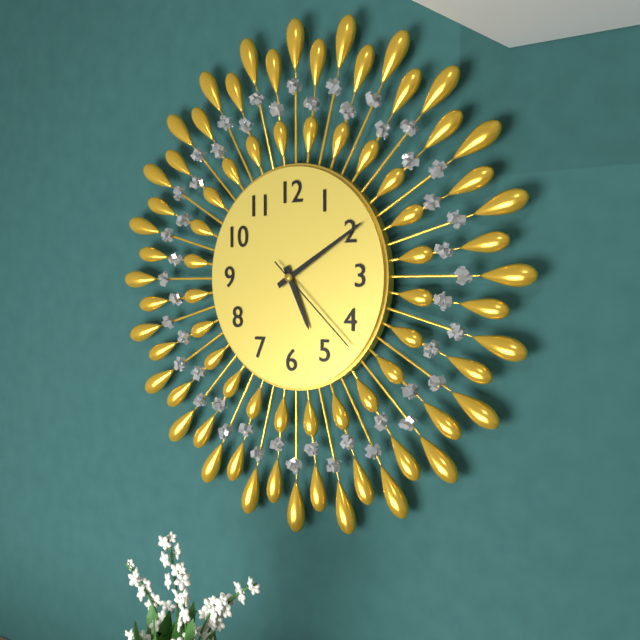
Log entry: 5 h 10 min 22 s
